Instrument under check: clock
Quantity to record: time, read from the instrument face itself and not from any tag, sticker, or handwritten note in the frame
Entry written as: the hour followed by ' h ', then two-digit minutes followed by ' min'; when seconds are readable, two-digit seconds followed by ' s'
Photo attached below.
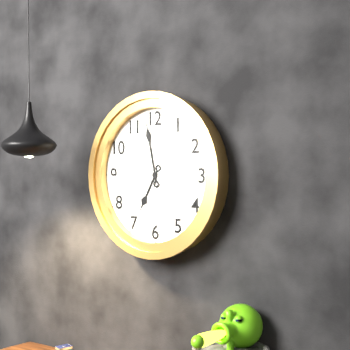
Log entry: 6 h 58 min
